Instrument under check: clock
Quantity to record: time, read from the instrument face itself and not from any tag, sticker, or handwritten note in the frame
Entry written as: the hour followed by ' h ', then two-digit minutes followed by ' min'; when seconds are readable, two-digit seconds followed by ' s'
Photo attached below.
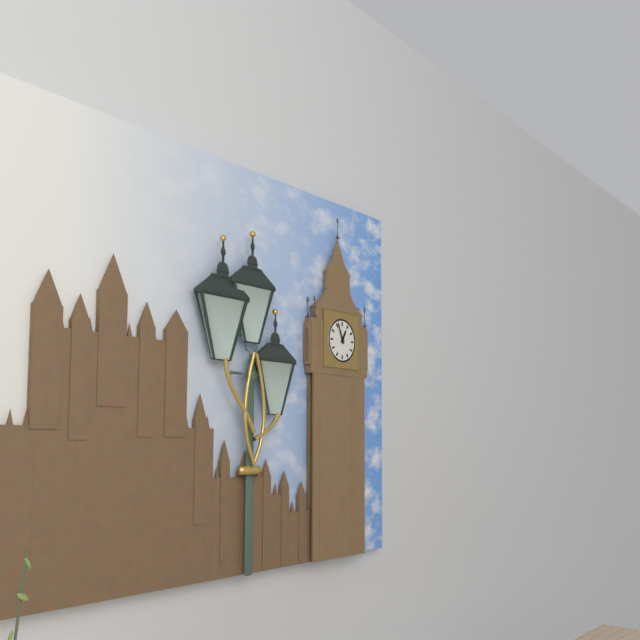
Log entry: 12 h 56 min
